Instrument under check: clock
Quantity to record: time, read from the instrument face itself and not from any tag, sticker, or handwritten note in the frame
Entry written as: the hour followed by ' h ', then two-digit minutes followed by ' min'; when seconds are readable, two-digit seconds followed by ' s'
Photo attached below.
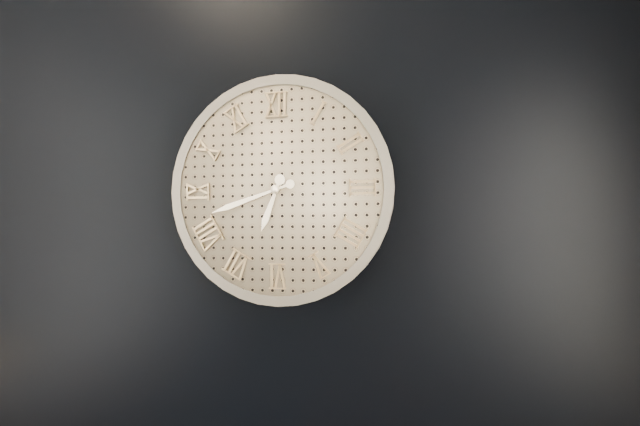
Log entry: 6 h 42 min
